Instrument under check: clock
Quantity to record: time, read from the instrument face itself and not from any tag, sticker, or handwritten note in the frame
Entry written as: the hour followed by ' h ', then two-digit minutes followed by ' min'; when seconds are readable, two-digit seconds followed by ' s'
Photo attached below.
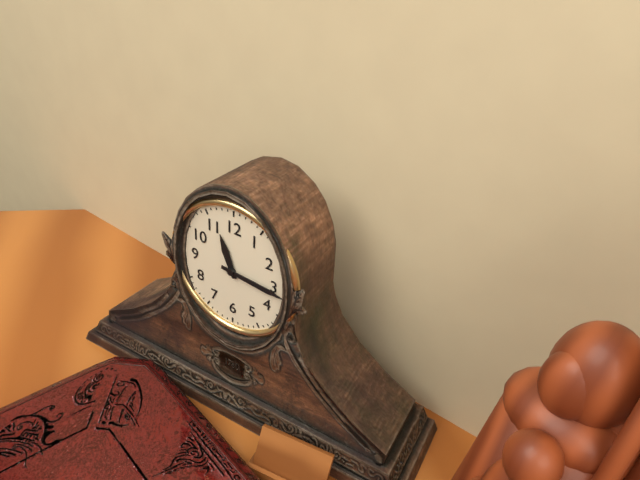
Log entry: 11 h 16 min
